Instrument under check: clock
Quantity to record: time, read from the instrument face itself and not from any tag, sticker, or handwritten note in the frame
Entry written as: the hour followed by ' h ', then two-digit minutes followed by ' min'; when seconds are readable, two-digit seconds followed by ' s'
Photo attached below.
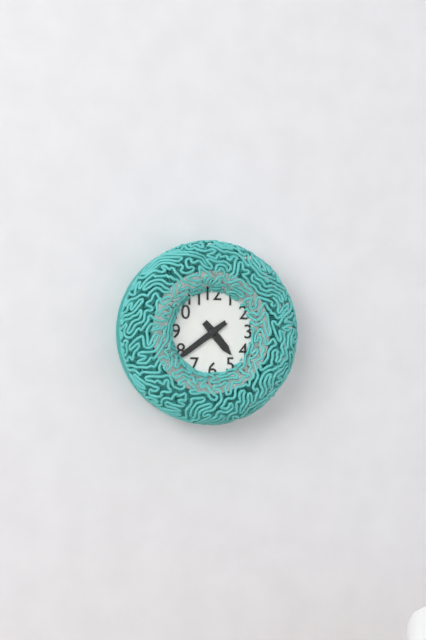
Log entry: 4 h 39 min
